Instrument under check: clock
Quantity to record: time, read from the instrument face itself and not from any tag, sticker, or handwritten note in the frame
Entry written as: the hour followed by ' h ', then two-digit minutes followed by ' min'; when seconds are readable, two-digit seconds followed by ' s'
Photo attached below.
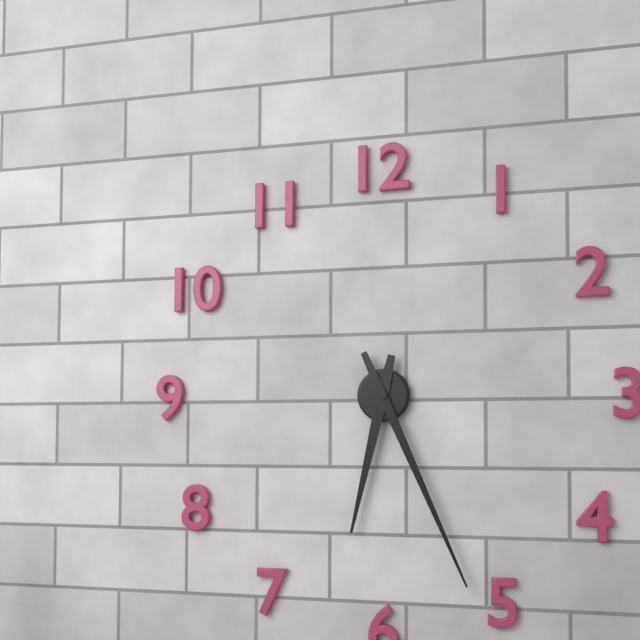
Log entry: 6 h 26 min
